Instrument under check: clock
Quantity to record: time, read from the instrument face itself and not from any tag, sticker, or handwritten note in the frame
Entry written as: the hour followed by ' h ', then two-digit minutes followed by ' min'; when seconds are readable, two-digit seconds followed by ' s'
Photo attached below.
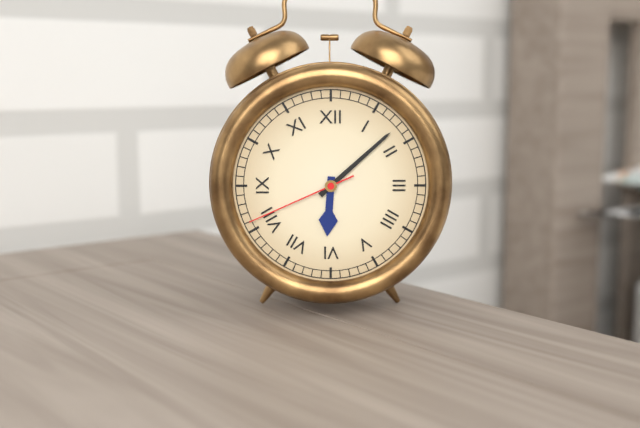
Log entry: 6 h 08 min 41 s
